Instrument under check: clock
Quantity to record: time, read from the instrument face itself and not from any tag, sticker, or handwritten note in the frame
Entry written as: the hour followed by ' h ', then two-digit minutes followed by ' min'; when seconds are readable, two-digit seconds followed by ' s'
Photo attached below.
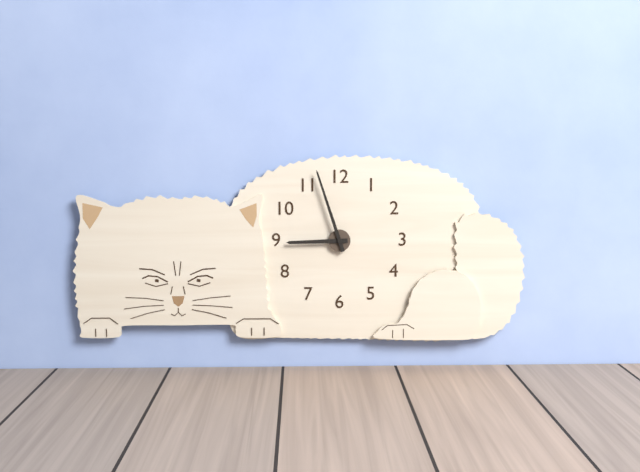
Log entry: 8 h 57 min
